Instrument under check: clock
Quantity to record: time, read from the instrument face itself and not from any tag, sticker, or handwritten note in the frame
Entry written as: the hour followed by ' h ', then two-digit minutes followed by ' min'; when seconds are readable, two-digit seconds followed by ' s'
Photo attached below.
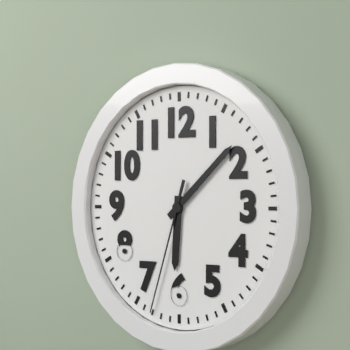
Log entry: 6 h 08 min 33 s
